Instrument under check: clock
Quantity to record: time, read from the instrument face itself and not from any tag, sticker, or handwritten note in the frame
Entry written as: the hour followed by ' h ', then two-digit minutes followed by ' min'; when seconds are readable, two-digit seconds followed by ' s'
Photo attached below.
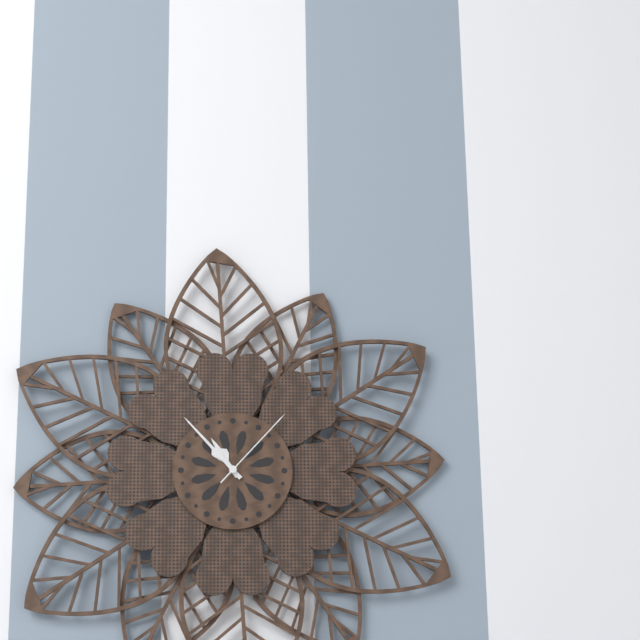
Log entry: 10 h 53 min 07 s
